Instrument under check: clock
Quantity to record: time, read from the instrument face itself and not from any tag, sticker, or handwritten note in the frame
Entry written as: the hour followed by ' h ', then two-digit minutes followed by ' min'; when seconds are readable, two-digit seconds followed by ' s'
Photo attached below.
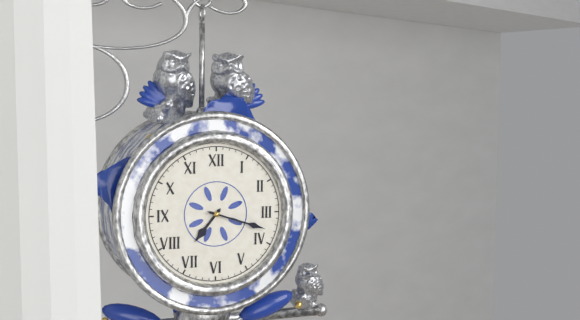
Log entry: 7 h 18 min
